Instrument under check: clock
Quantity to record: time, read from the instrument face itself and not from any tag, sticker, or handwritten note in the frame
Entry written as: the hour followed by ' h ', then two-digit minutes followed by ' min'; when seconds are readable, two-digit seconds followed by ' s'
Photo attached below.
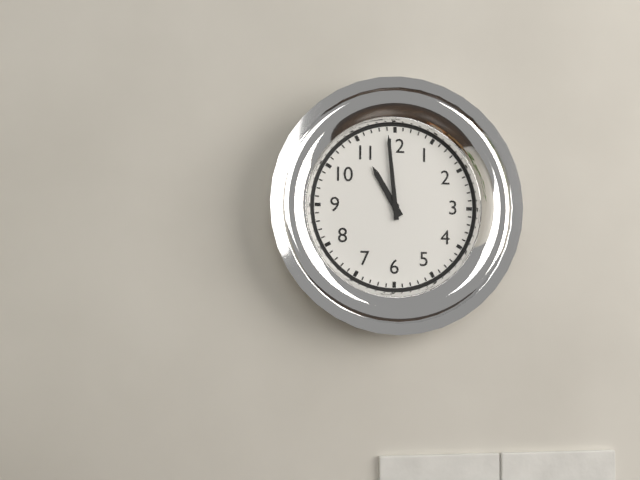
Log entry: 10 h 59 min
